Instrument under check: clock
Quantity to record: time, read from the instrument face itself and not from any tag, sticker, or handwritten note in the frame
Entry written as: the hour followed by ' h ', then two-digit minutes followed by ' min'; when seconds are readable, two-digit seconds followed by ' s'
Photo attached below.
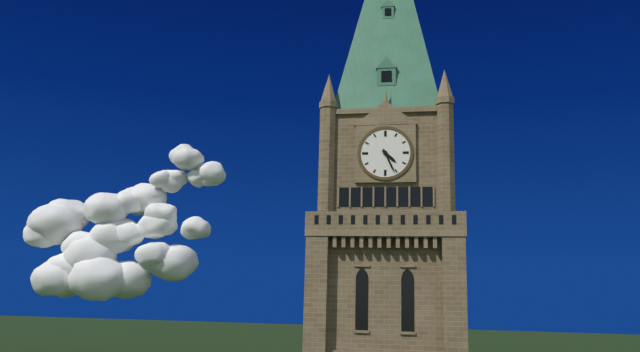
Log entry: 4 h 26 min
